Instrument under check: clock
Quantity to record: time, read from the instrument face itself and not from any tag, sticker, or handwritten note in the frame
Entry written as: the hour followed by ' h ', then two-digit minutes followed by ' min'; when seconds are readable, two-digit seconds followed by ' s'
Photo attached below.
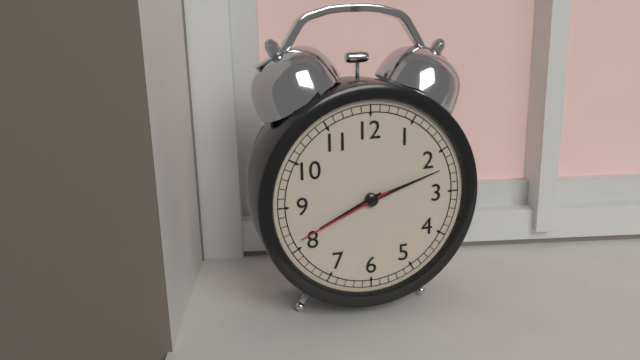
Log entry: 8 h 12 min 41 s
